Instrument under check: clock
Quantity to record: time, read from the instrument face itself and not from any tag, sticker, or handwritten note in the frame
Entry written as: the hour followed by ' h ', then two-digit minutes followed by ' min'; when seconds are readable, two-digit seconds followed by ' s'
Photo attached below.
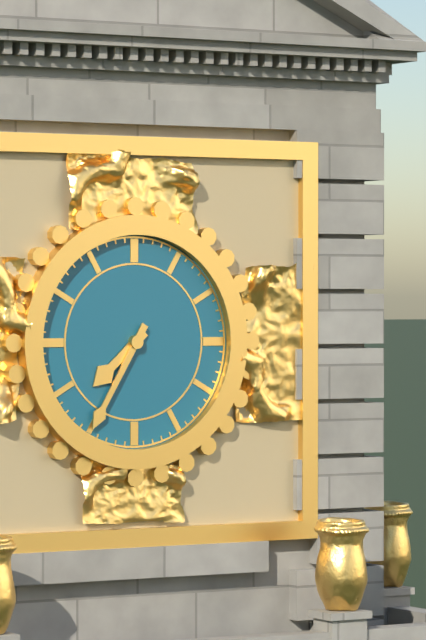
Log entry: 7 h 35 min
